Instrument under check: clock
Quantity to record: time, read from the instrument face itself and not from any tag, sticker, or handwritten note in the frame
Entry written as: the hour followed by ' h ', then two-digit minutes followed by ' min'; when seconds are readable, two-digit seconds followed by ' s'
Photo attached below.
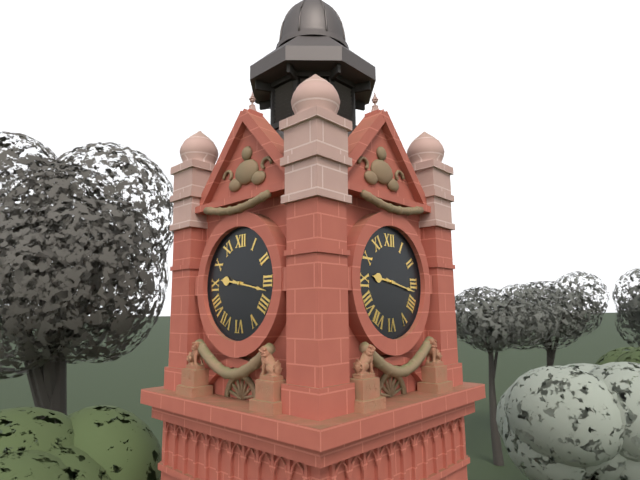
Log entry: 9 h 17 min
